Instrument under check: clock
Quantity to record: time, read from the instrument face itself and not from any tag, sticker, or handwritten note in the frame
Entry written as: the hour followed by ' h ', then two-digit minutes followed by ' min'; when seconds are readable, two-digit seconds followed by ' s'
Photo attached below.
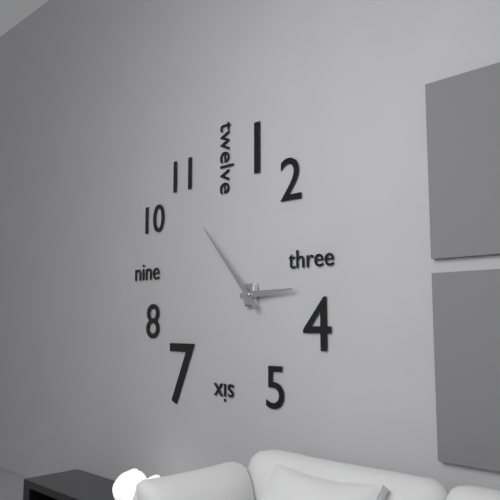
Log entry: 2 h 53 min
